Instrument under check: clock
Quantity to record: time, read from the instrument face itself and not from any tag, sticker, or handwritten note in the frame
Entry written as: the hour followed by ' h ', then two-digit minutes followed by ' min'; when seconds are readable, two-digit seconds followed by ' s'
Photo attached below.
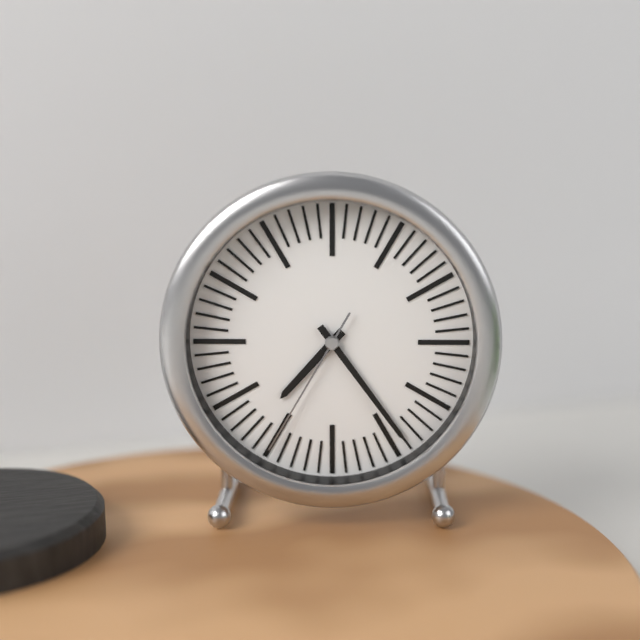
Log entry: 7 h 24 min 35 s
